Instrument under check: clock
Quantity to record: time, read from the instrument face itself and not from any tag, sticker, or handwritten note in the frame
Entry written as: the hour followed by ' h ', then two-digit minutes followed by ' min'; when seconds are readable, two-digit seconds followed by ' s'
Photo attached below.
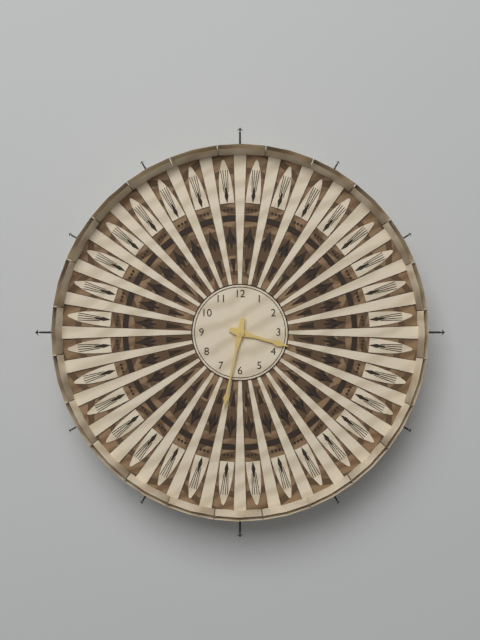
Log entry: 3 h 32 min
